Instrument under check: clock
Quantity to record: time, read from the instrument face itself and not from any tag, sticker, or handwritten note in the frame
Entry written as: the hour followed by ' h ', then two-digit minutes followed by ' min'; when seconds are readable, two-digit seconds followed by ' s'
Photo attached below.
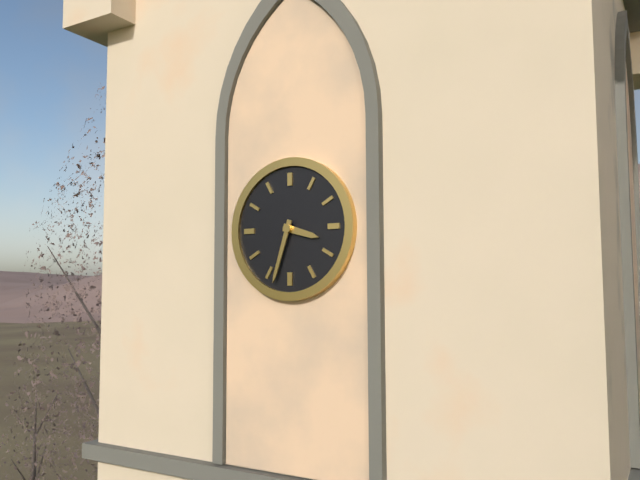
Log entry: 3 h 33 min
